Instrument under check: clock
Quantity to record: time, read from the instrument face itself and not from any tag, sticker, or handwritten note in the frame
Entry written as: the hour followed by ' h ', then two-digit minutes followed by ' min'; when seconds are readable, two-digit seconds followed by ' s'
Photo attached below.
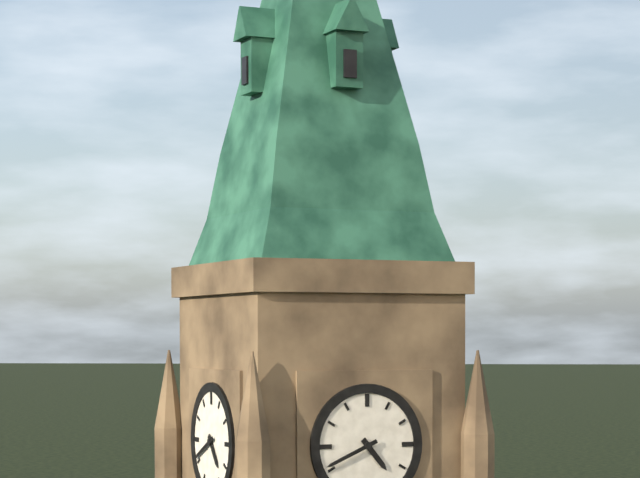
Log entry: 4 h 41 min
